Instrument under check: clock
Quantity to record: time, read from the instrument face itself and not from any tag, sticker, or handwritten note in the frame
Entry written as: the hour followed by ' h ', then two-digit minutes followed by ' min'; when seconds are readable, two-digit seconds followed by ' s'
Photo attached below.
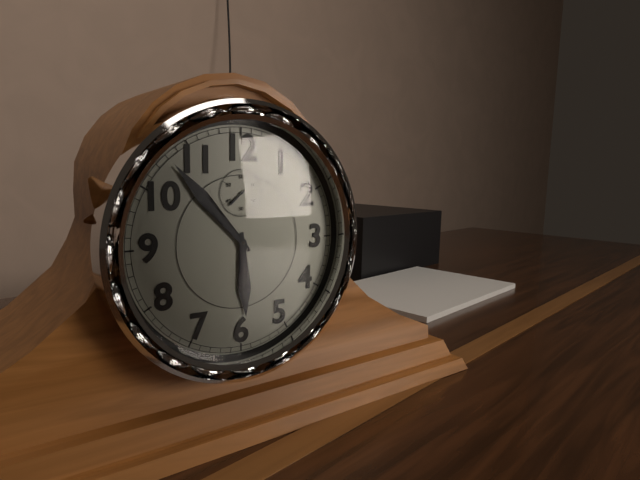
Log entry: 5 h 53 min
